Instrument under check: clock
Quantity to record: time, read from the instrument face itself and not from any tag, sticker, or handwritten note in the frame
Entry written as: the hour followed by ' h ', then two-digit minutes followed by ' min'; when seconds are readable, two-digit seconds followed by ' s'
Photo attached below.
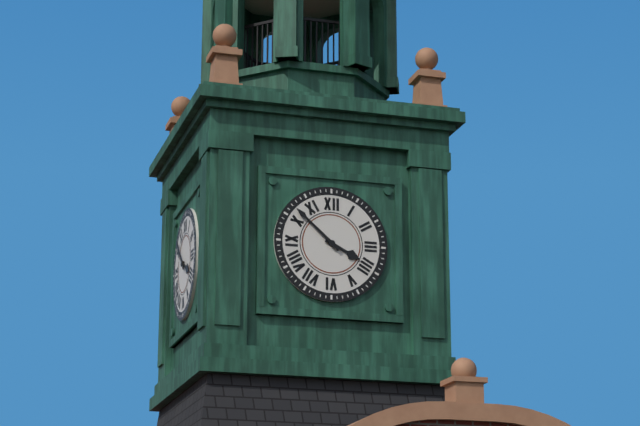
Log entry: 3 h 52 min
